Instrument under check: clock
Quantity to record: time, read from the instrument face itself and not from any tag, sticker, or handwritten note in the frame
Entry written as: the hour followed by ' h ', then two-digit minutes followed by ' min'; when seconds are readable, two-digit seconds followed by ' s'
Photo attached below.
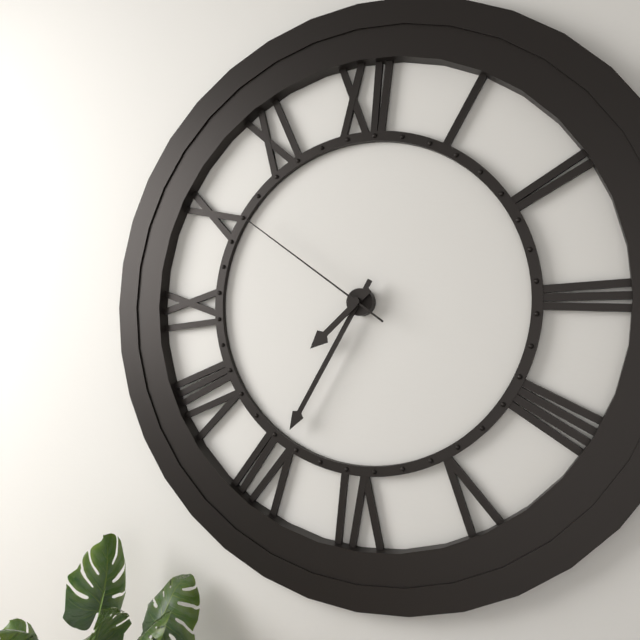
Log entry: 7 h 35 min 51 s
